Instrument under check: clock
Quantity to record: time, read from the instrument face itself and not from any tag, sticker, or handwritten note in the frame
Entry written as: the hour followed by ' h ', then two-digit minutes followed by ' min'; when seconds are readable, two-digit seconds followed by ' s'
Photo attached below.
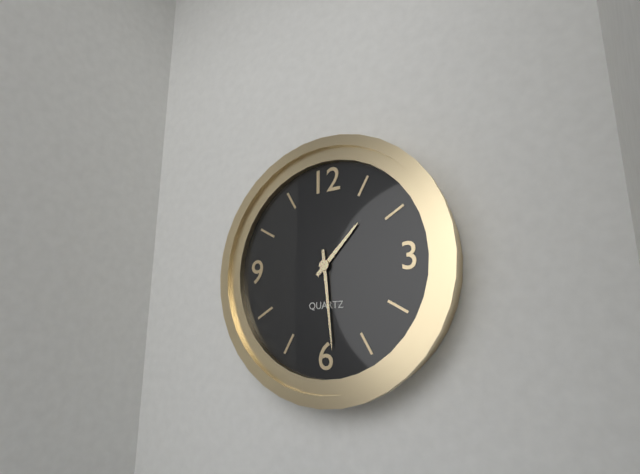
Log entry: 1 h 29 min
